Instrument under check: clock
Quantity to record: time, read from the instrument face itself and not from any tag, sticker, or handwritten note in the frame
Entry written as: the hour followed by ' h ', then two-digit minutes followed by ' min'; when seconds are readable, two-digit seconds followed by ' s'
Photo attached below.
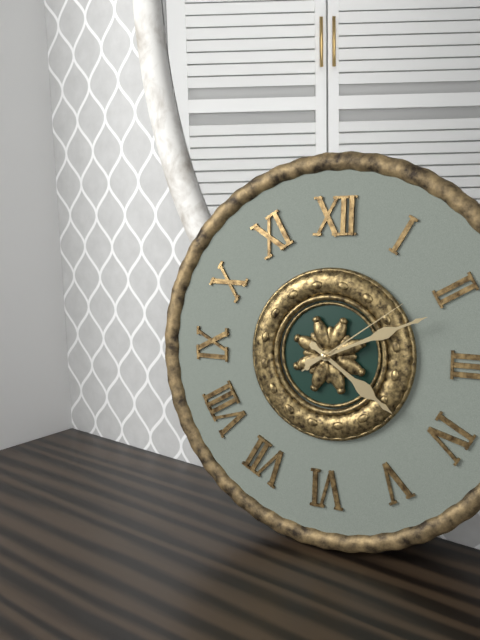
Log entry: 4 h 11 min 09 s
